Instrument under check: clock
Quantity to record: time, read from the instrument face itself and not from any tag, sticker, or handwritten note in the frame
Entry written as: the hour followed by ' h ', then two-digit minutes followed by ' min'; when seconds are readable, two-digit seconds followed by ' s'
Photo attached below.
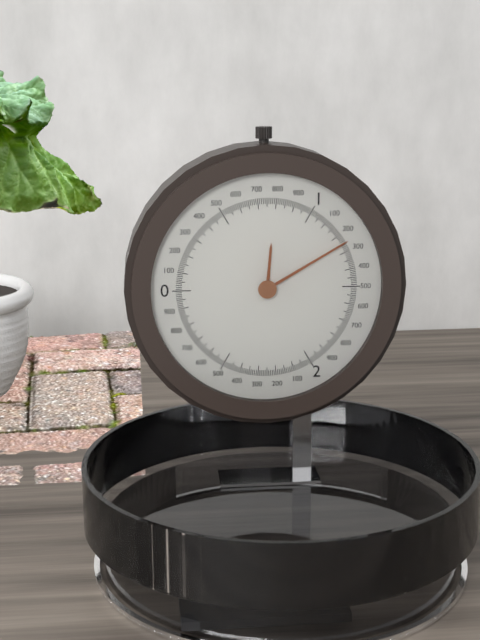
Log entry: 12 h 10 min
